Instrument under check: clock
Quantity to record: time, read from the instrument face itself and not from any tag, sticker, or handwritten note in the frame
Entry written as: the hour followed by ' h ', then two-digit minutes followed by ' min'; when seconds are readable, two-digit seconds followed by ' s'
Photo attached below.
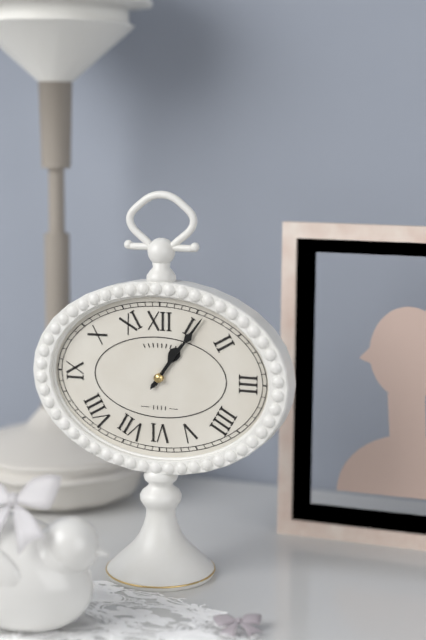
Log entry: 1 h 06 min
